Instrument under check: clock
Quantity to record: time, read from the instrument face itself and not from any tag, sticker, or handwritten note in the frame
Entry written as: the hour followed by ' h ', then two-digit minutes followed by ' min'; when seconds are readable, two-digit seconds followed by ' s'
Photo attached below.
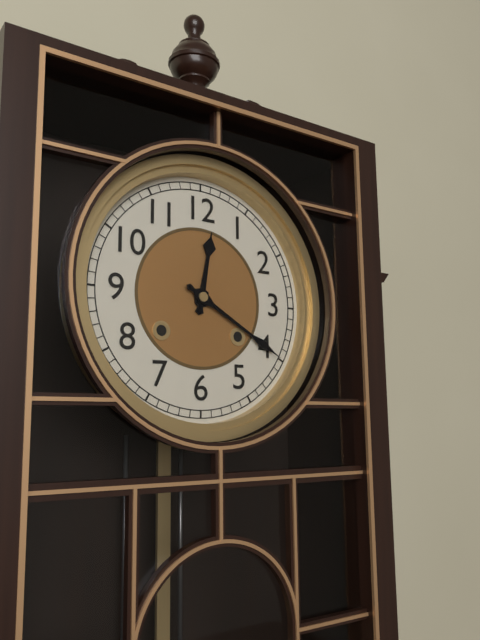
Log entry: 12 h 20 min
